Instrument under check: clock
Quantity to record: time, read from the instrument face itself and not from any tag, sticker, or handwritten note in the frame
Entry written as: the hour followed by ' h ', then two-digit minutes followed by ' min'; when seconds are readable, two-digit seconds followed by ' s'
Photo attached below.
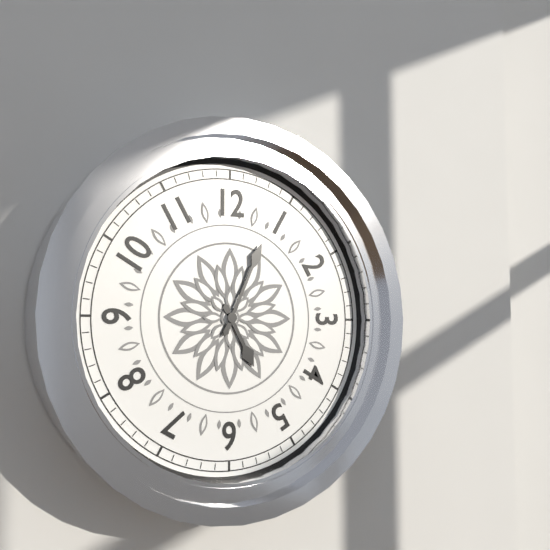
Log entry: 5 h 04 min
